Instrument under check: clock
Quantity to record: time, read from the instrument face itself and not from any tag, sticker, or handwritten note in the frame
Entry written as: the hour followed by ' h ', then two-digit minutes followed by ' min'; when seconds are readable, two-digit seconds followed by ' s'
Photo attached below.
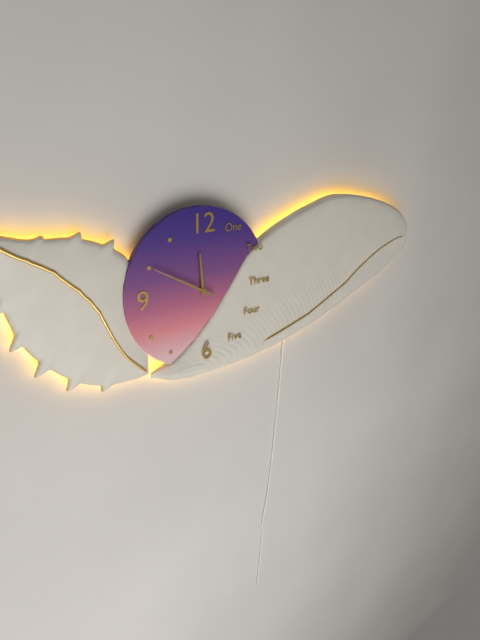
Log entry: 11 h 50 min
